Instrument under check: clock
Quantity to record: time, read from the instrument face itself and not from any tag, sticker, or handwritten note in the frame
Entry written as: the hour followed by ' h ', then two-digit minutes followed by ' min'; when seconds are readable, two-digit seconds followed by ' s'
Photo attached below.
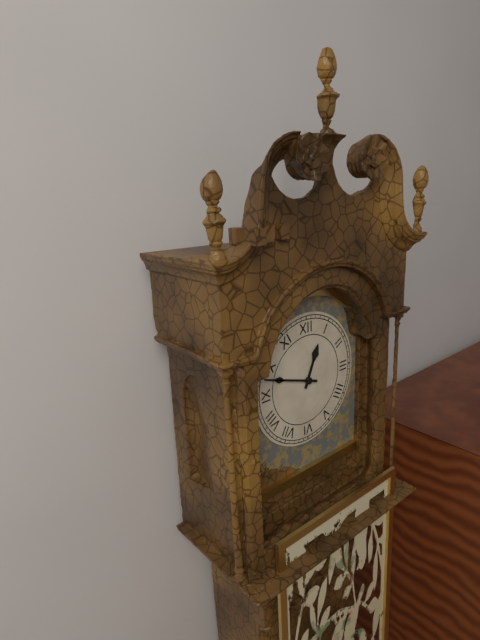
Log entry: 12 h 48 min
